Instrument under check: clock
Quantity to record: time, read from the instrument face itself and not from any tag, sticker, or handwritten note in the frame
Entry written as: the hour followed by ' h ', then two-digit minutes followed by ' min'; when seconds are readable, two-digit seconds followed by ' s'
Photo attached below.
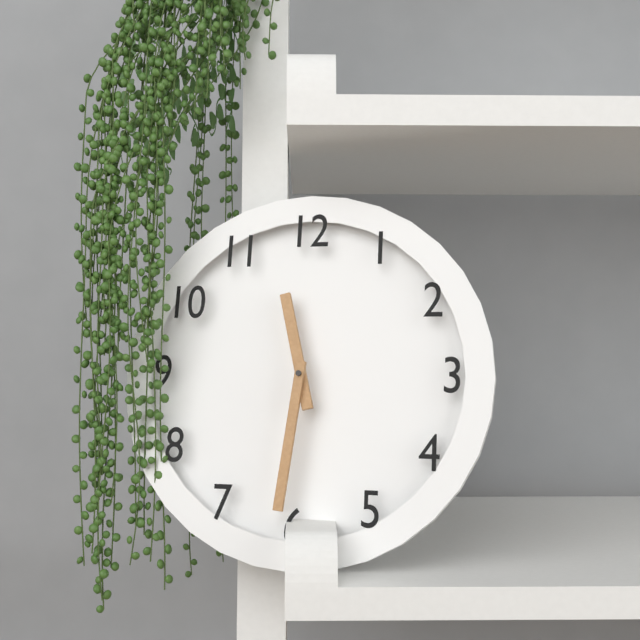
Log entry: 11 h 31 min
